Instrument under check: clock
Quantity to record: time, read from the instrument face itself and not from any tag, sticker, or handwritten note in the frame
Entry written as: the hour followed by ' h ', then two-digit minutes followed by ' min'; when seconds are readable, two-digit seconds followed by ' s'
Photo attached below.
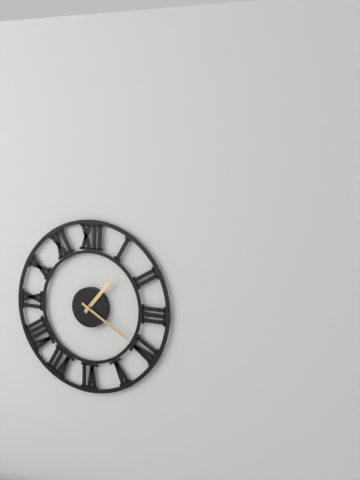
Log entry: 1 h 20 min
